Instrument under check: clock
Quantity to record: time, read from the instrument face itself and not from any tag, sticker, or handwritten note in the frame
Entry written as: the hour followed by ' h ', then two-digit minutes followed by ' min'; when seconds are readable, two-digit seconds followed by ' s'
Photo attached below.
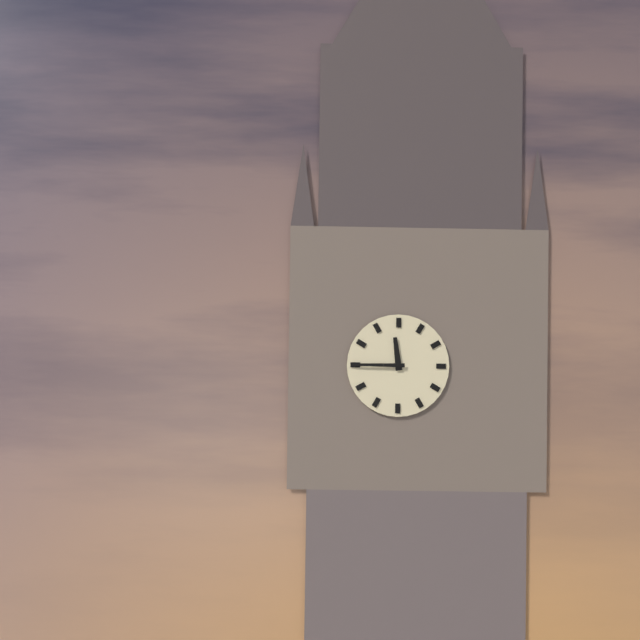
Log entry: 11 h 45 min
